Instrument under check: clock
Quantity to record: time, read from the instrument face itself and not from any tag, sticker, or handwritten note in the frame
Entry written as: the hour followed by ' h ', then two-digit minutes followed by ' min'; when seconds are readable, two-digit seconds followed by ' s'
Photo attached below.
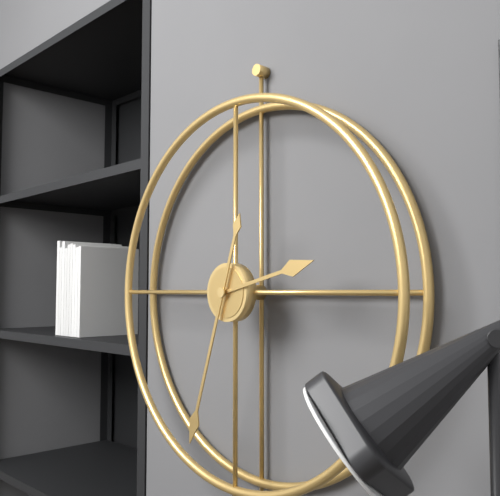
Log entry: 2 h 33 min
